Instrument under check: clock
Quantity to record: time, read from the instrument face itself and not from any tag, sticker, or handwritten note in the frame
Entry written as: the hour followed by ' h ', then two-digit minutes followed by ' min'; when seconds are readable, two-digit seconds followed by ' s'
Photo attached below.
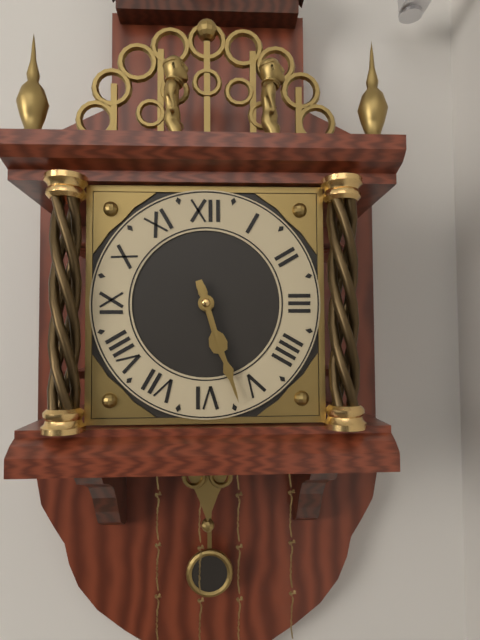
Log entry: 5 h 27 min
